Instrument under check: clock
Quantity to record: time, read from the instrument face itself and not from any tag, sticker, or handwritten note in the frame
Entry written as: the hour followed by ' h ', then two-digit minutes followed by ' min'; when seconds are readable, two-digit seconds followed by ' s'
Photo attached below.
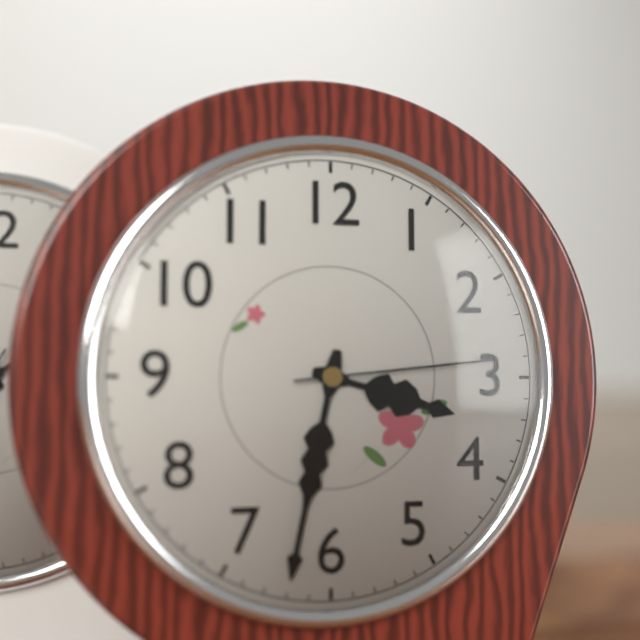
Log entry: 3 h 32 min 14 s
